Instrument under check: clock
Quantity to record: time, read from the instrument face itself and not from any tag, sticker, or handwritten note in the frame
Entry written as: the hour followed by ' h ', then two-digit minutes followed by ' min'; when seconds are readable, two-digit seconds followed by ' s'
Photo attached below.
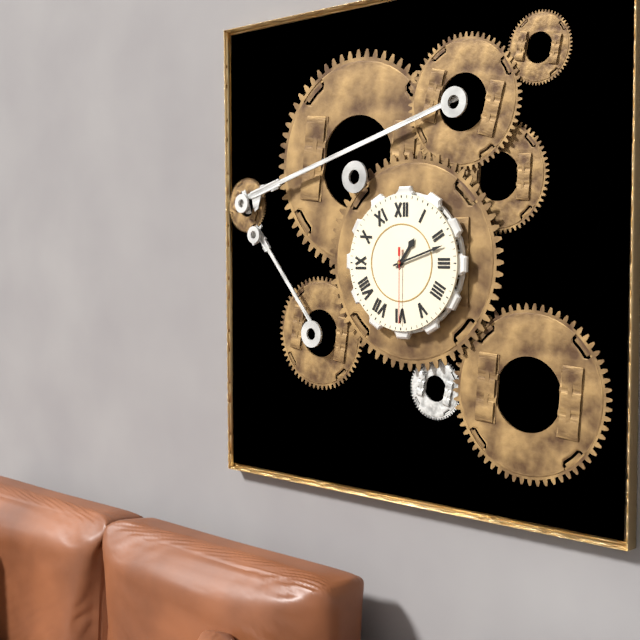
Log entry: 1 h 12 min 30 s
